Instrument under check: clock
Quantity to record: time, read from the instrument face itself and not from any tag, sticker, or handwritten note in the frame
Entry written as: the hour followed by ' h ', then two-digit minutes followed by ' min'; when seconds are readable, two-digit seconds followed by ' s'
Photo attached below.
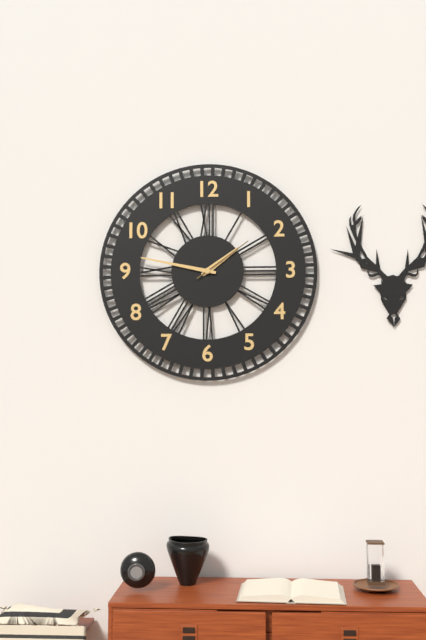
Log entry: 1 h 47 min 09 s
